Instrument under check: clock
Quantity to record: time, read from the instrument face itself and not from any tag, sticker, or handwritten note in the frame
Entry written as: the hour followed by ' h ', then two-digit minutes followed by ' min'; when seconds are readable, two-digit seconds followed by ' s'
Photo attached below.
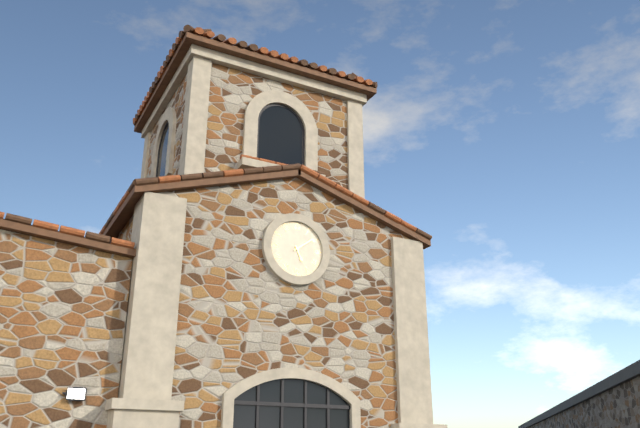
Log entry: 5 h 09 min
